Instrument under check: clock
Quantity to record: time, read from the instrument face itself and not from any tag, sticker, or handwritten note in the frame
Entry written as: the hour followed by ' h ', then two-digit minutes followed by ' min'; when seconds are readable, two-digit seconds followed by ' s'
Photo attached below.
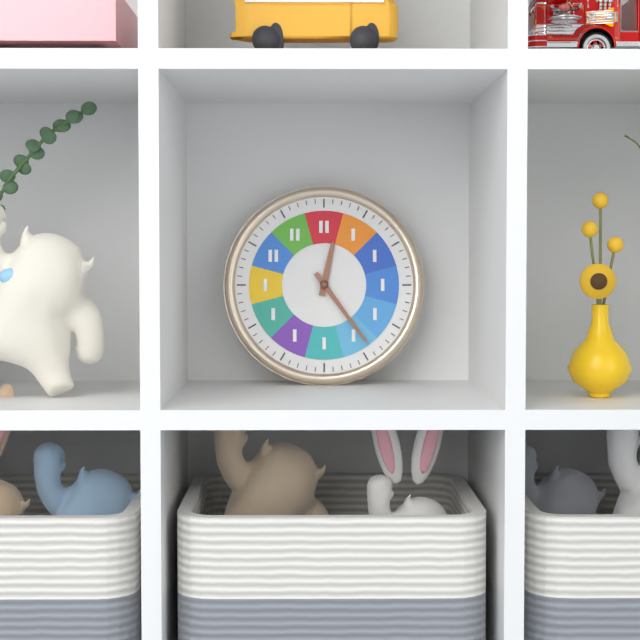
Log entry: 12 h 24 min
